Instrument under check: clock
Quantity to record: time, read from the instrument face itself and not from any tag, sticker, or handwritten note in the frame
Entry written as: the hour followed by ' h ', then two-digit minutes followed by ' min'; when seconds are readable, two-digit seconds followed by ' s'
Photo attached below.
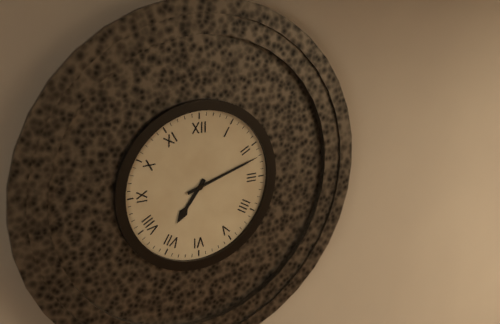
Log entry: 7 h 12 min
